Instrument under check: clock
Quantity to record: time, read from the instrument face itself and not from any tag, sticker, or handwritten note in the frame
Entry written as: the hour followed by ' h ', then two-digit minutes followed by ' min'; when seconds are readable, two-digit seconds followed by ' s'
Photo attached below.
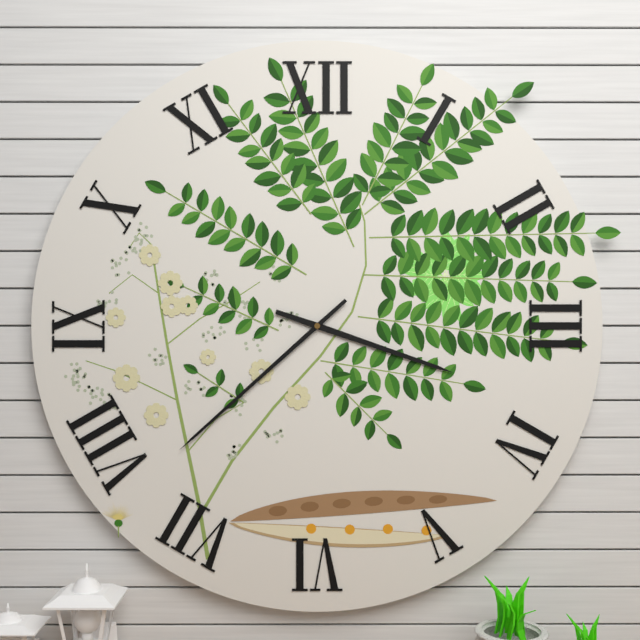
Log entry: 3 h 38 min
